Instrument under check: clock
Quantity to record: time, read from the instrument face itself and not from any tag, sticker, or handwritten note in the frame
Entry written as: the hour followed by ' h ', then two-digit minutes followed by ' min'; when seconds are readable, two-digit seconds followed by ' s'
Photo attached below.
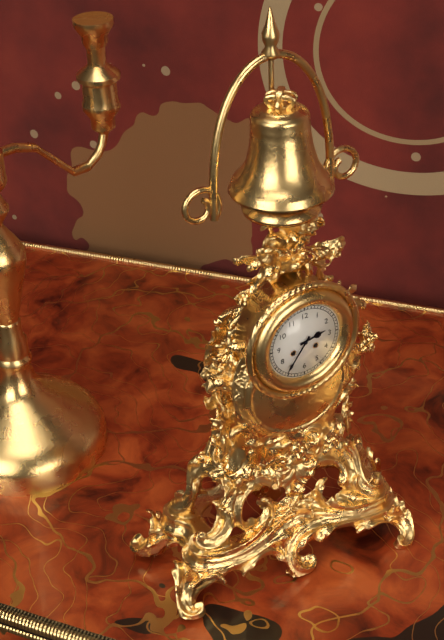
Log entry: 2 h 36 min
